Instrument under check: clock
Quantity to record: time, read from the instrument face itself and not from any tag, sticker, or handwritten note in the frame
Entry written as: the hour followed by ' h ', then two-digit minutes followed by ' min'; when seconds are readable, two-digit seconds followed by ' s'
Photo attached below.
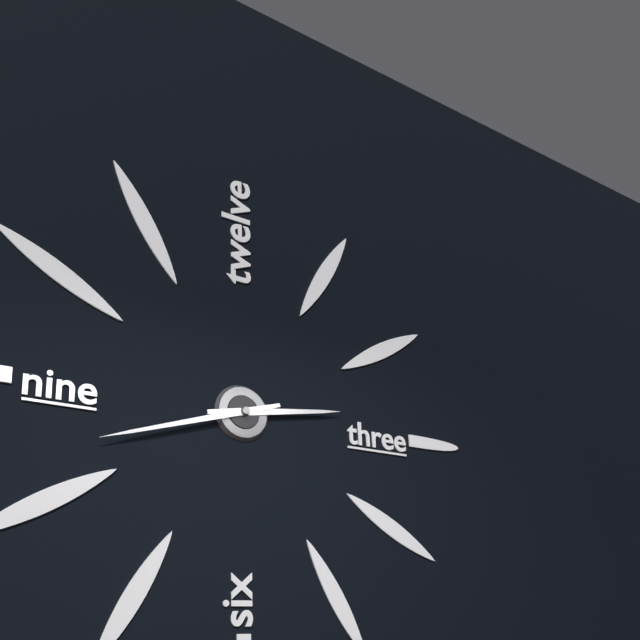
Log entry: 2 h 42 min
